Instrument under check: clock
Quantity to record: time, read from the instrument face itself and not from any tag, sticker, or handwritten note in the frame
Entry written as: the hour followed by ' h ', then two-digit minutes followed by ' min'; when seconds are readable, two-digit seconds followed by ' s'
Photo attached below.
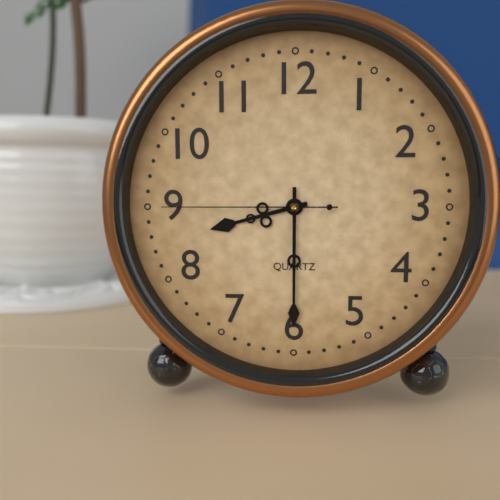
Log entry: 8 h 30 min 45 s
